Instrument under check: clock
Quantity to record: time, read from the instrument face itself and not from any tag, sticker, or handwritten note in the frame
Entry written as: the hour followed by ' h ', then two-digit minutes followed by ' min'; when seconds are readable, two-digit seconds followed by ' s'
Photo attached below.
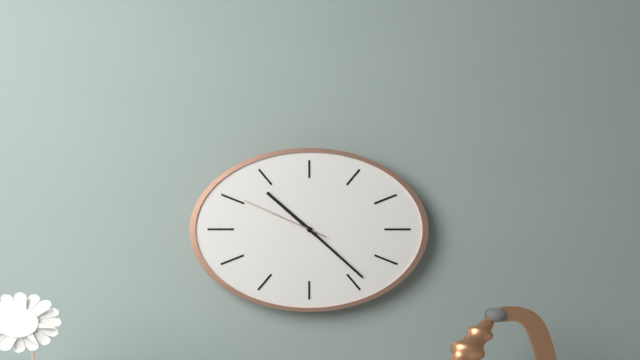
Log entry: 10 h 22 min 49 s
